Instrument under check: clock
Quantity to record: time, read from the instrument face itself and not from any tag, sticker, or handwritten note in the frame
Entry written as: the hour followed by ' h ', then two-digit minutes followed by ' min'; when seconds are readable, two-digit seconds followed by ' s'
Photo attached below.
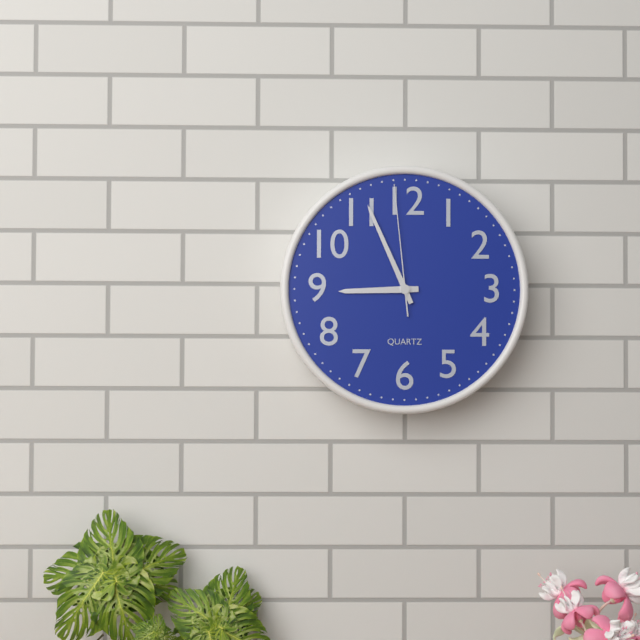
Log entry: 8 h 56 min 59 s
